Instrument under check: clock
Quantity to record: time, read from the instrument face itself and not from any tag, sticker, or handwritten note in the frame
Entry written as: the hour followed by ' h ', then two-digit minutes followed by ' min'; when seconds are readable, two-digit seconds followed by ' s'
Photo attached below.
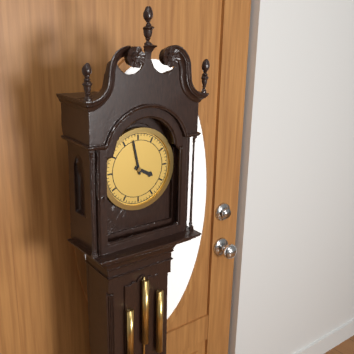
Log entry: 3 h 58 min
